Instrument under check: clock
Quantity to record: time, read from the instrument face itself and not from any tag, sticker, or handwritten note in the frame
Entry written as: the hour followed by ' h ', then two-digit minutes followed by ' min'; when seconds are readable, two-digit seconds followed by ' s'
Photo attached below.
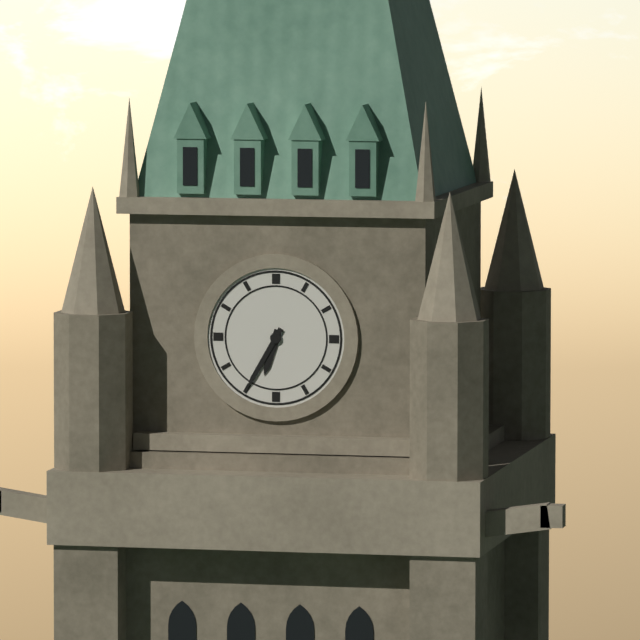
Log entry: 6 h 35 min
